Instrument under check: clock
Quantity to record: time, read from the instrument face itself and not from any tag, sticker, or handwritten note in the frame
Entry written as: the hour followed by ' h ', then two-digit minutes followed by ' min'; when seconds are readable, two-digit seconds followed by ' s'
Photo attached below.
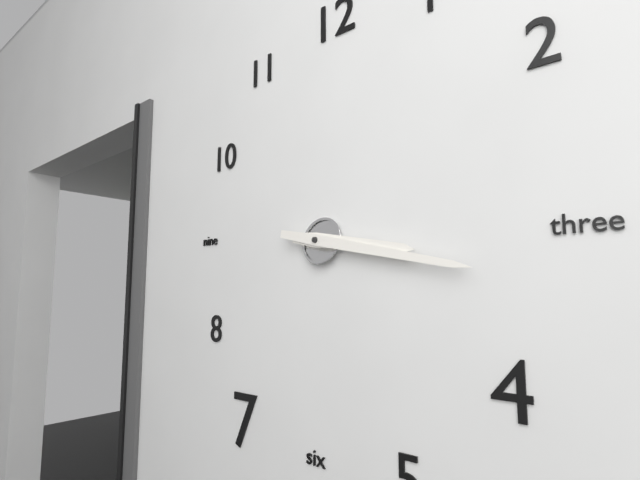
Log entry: 3 h 17 min
